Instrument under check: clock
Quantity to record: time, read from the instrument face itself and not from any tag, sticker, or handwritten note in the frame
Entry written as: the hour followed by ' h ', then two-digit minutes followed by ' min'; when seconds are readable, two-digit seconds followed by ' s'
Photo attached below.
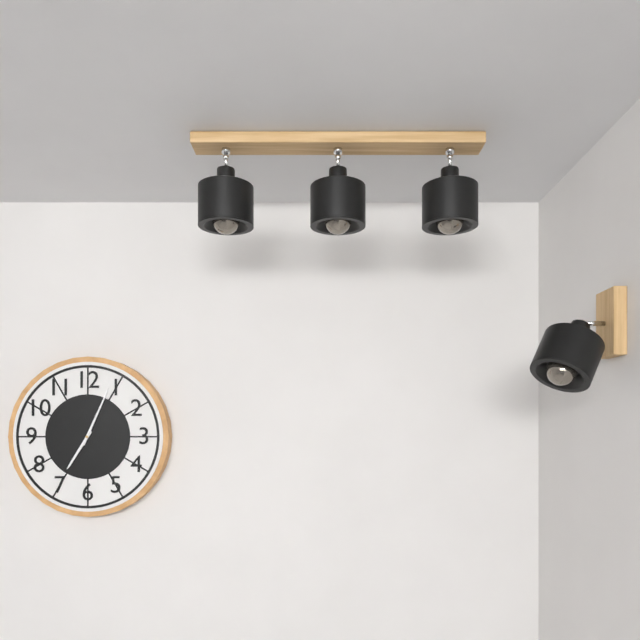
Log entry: 7 h 04 min
